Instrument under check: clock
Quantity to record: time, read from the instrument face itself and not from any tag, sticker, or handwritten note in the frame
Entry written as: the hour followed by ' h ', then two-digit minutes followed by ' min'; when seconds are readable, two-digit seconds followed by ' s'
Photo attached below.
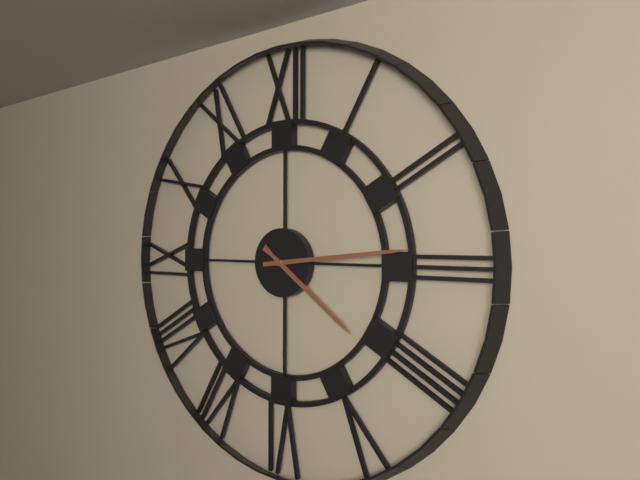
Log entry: 4 h 14 min
